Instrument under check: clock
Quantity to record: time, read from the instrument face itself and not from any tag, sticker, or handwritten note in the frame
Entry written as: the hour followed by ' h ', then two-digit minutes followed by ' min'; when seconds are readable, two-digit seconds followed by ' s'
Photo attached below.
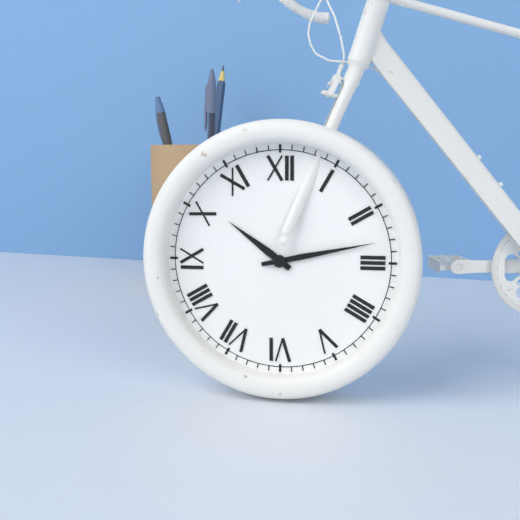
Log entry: 10 h 13 min
